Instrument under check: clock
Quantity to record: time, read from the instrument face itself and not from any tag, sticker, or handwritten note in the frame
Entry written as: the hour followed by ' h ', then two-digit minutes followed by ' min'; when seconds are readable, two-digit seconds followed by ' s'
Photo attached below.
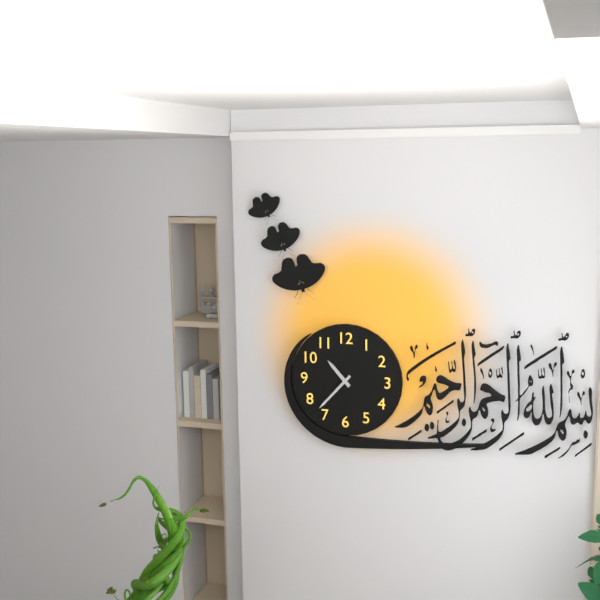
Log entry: 10 h 37 min
